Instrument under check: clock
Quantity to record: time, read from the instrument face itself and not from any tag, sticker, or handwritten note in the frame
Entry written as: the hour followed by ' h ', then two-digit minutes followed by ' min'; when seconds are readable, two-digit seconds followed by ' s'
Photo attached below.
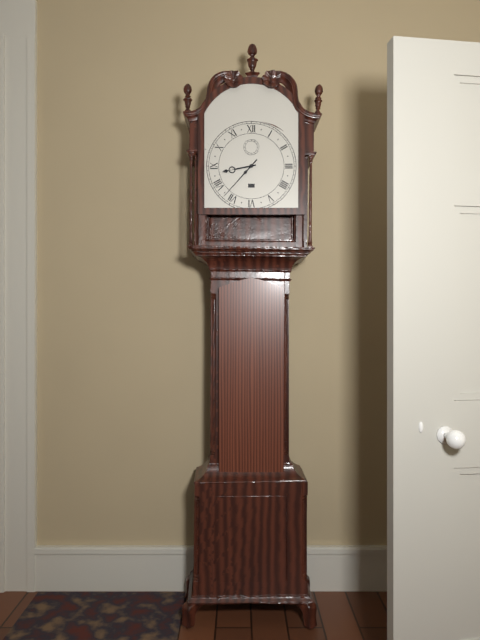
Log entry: 8 h 37 min
